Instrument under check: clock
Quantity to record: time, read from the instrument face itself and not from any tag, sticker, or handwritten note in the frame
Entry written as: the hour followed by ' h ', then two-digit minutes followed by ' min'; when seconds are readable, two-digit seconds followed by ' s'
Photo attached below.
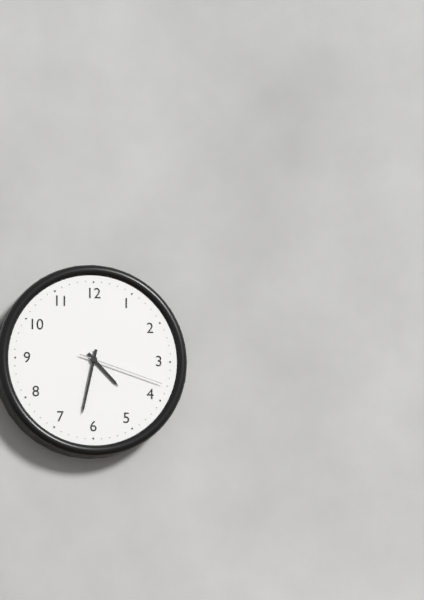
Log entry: 4 h 32 min 18 s
